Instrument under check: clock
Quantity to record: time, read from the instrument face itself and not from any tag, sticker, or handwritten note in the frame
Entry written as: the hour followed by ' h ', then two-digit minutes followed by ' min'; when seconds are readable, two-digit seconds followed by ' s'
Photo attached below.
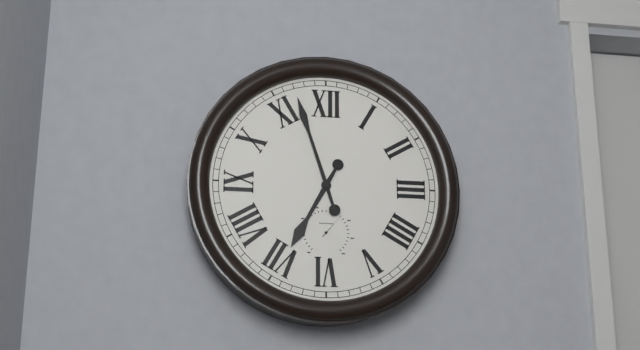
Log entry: 6 h 57 min
